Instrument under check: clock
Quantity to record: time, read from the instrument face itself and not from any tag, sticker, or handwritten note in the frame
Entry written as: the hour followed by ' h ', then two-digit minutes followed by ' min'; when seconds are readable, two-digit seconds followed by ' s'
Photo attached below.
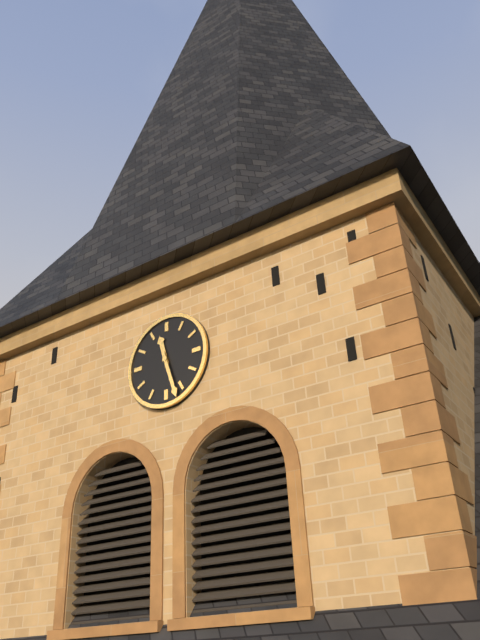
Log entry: 11 h 27 min
